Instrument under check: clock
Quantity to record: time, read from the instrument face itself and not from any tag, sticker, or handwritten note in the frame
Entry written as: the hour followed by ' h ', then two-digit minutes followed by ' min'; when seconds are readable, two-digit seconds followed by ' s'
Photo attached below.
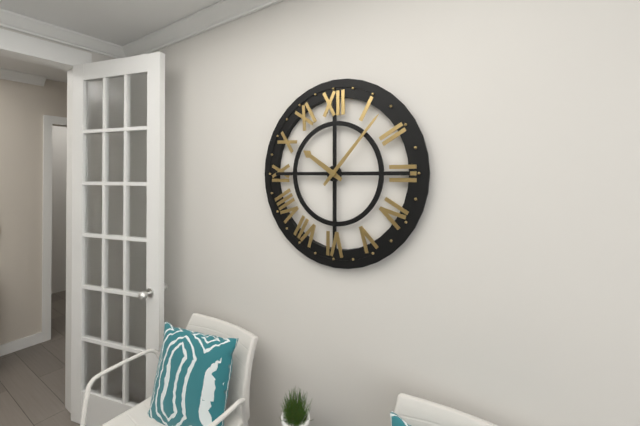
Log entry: 10 h 07 min
